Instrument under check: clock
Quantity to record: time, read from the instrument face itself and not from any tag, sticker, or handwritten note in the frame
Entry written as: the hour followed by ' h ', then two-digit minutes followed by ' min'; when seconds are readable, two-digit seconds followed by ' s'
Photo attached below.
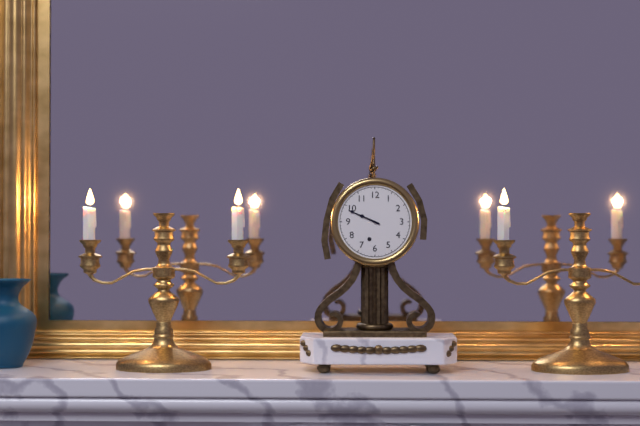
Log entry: 9 h 49 min
